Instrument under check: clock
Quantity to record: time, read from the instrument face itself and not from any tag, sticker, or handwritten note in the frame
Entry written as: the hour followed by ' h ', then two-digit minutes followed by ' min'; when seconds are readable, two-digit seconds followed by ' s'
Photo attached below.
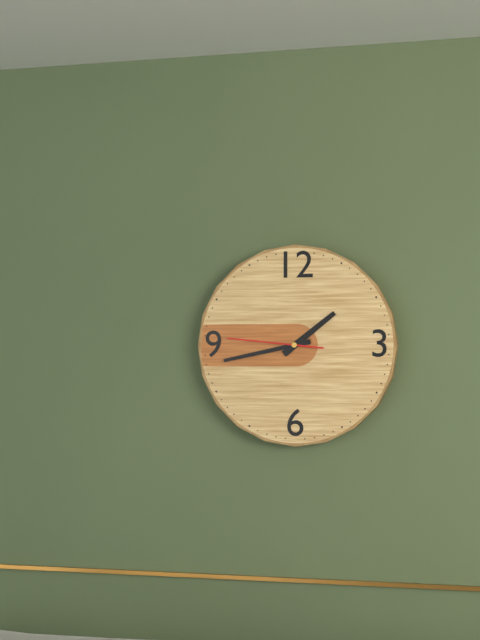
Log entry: 1 h 43 min 46 s
